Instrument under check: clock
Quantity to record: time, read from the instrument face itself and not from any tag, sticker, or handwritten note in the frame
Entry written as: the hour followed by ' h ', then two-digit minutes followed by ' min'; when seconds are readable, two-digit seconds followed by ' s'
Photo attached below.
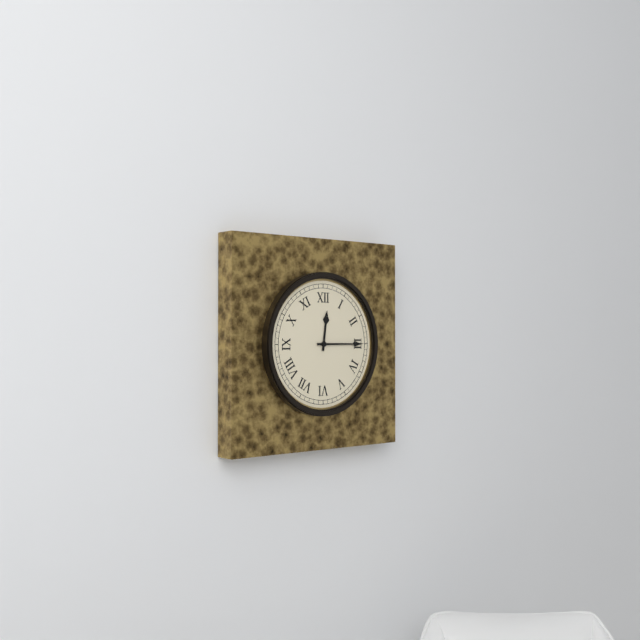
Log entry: 12 h 15 min
